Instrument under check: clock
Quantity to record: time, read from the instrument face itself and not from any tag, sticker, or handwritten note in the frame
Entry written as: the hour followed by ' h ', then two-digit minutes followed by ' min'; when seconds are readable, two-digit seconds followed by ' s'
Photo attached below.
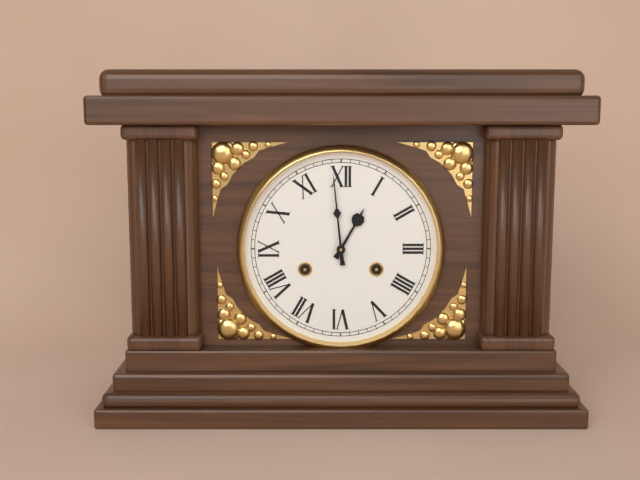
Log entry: 12 h 59 min
